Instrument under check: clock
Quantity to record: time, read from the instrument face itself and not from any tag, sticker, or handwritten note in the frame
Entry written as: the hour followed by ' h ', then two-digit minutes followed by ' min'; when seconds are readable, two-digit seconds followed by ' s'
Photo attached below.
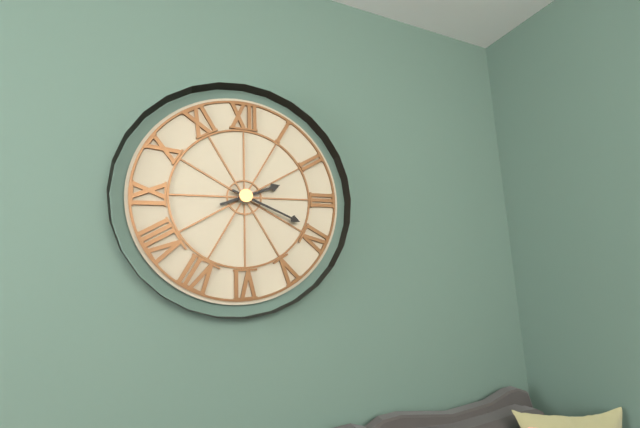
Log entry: 2 h 19 min
